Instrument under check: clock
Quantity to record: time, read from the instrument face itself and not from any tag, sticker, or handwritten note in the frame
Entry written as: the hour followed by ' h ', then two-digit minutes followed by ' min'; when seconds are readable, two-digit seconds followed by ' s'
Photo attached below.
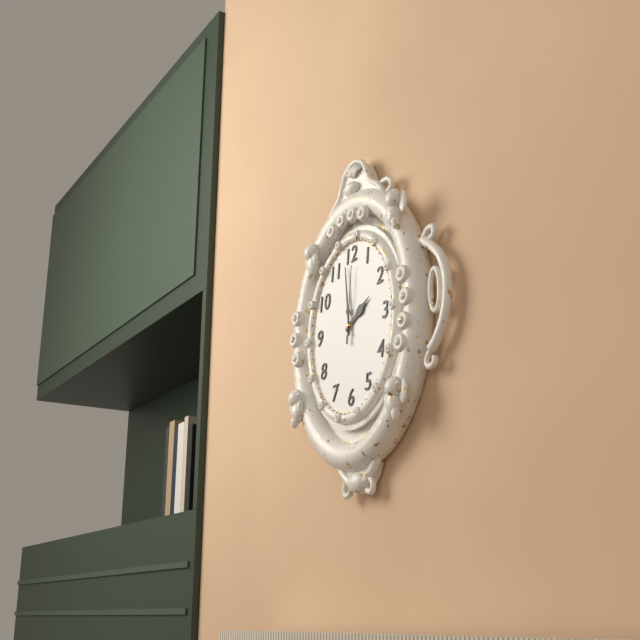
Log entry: 1 h 59 min 01 s
